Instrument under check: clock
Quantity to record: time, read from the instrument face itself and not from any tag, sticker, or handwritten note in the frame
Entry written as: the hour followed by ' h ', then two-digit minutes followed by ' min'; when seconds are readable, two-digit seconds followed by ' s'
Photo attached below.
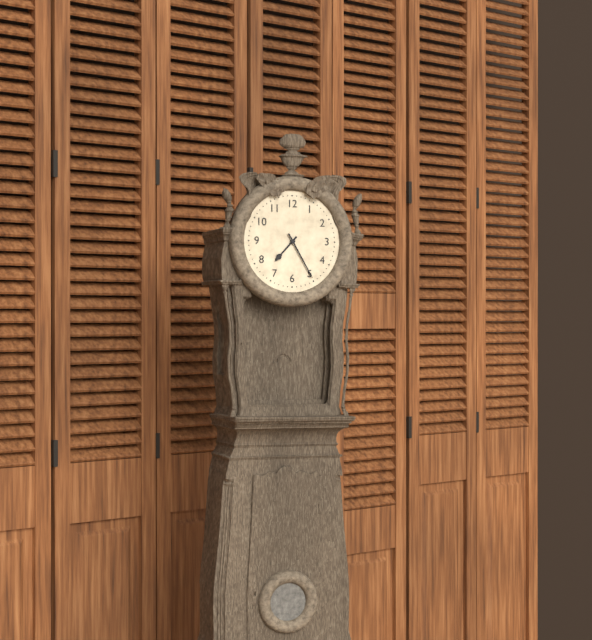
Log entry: 7 h 25 min
